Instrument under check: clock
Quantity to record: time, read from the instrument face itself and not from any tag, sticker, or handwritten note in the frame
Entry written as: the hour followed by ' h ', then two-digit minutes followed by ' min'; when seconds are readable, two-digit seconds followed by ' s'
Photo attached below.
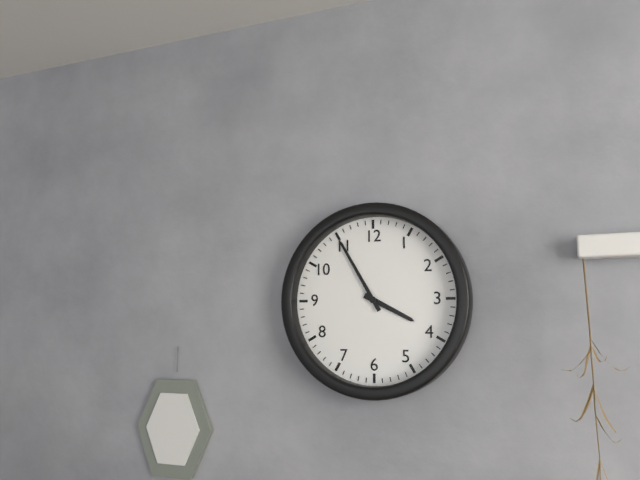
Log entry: 3 h 55 min
